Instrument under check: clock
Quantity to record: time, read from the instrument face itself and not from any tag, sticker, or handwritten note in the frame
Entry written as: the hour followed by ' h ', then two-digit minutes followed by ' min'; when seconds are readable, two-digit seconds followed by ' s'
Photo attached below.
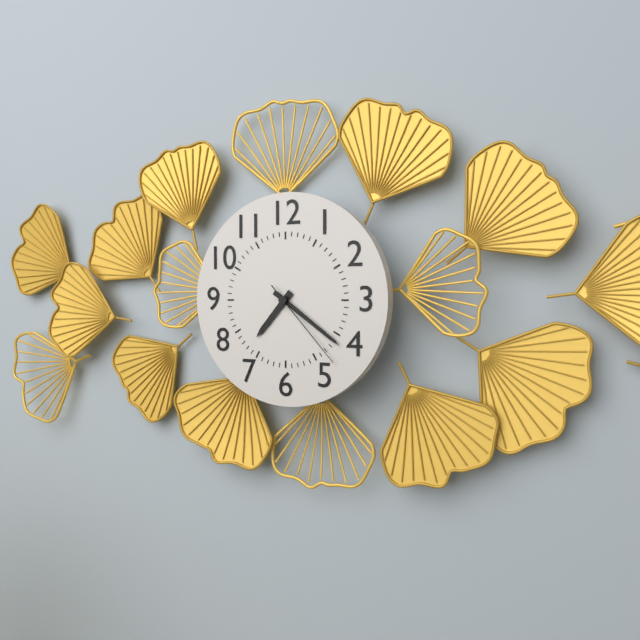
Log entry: 7 h 21 min 23 s
